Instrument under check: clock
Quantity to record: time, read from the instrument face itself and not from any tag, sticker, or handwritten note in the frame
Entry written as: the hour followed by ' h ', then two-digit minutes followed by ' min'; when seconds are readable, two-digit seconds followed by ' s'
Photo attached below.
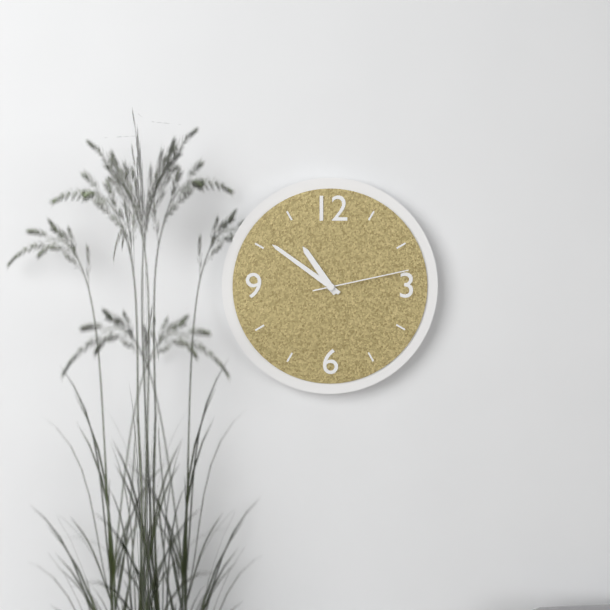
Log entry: 10 h 51 min 13 s
